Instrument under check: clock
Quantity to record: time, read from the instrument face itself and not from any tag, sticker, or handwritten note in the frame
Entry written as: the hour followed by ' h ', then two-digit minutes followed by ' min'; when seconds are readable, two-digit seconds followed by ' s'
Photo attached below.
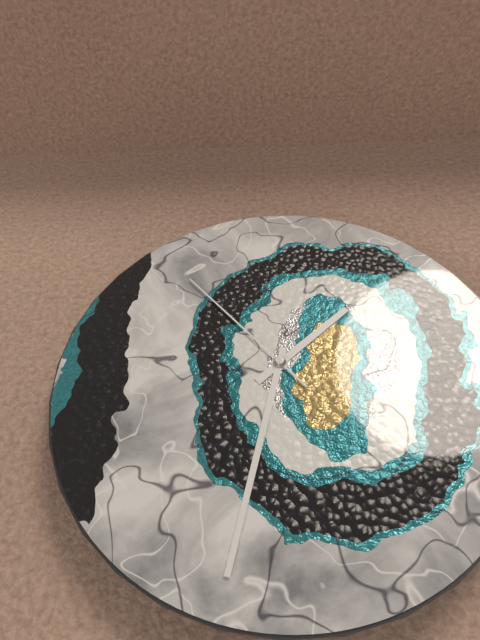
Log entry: 1 h 32 min 53 s
